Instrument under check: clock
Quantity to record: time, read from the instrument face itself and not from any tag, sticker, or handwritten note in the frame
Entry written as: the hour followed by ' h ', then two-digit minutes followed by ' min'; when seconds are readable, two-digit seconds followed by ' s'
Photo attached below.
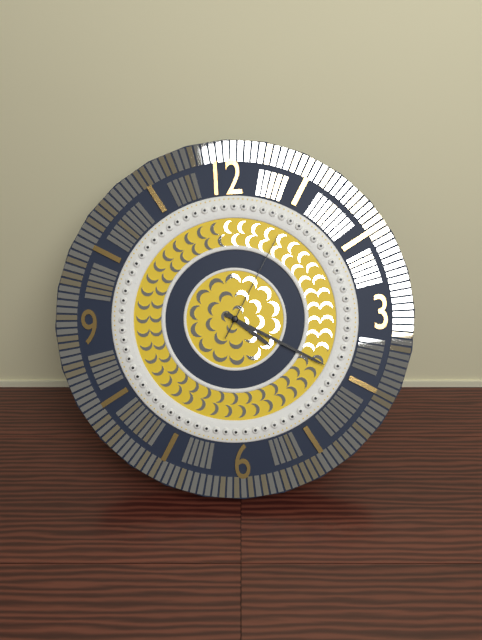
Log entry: 4 h 20 min 05 s
